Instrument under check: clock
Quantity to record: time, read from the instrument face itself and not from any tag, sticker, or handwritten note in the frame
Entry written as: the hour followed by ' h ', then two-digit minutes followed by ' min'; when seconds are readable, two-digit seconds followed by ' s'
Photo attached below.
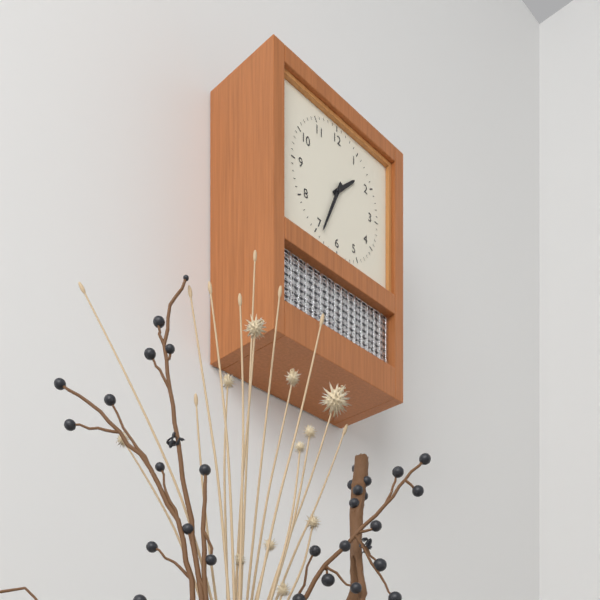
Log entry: 1 h 34 min
